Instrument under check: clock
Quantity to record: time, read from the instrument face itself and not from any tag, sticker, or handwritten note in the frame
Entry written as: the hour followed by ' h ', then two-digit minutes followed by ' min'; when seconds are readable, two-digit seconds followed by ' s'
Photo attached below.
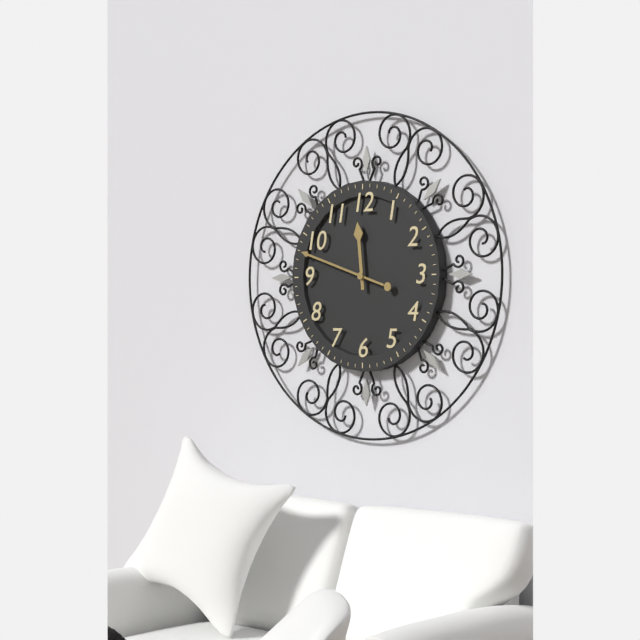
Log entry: 11 h 48 min
